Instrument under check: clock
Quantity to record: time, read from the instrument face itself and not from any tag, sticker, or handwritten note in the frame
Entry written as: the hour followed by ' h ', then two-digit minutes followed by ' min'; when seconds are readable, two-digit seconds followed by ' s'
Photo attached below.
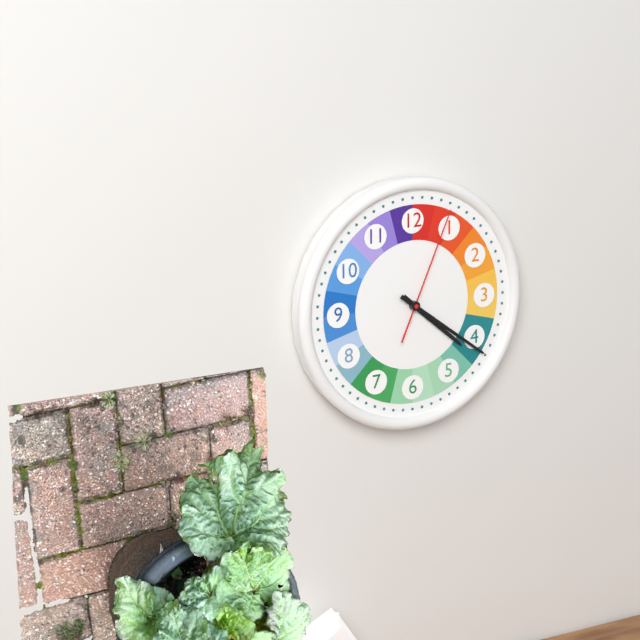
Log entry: 4 h 21 min 04 s
